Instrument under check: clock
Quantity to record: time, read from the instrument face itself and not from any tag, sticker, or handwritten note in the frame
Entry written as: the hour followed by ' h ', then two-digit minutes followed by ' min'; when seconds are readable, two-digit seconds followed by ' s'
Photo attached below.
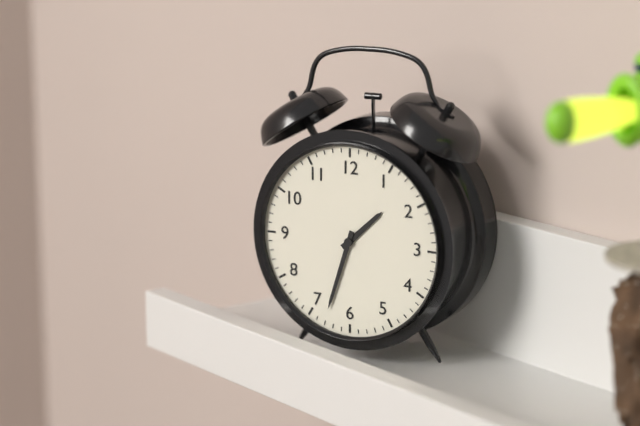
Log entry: 1 h 33 min
